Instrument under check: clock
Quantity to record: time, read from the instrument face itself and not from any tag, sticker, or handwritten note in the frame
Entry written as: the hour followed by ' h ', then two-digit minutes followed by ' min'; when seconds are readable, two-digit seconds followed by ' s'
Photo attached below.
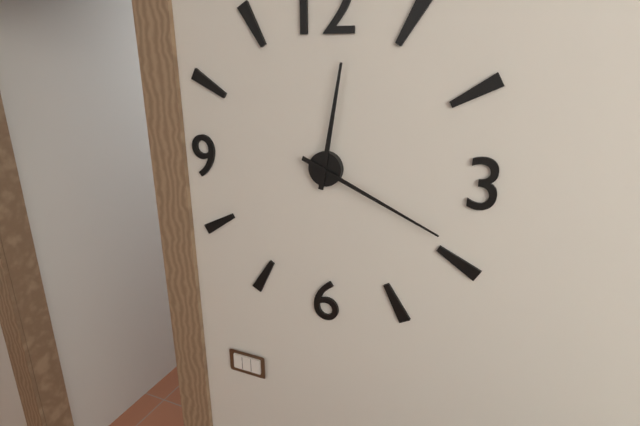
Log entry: 12 h 19 min
